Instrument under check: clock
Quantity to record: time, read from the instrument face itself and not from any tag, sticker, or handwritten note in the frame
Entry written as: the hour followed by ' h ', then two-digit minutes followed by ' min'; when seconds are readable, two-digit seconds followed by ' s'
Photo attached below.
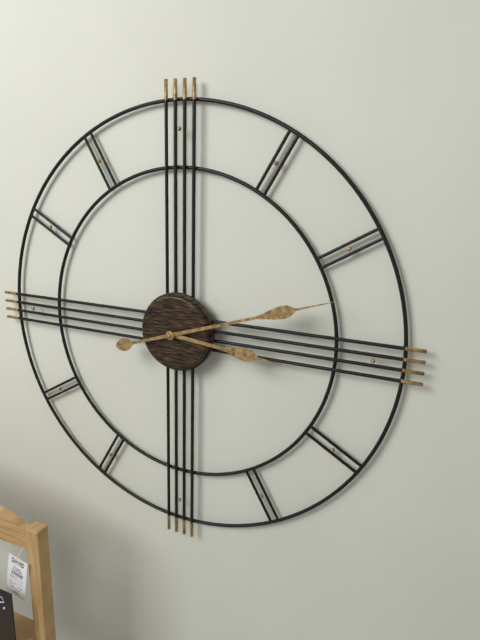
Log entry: 3 h 12 min
